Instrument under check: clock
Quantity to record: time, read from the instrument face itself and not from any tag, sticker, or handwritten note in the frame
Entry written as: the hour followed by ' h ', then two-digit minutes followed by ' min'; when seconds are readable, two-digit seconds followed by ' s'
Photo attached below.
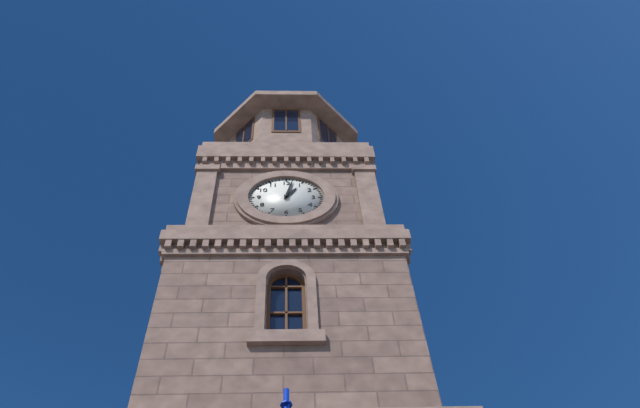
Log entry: 1 h 02 min
